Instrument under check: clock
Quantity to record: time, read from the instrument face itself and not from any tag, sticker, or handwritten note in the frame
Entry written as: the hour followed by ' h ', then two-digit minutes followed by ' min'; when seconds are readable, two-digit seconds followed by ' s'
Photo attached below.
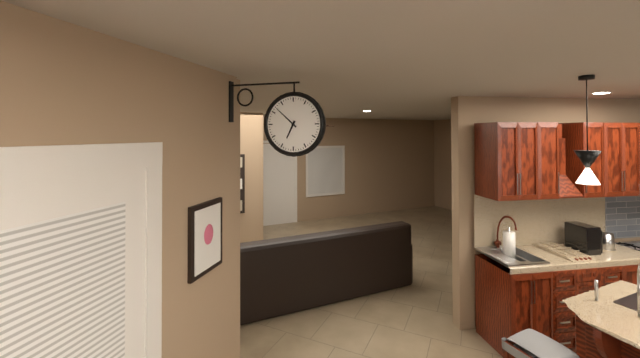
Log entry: 6 h 52 min
